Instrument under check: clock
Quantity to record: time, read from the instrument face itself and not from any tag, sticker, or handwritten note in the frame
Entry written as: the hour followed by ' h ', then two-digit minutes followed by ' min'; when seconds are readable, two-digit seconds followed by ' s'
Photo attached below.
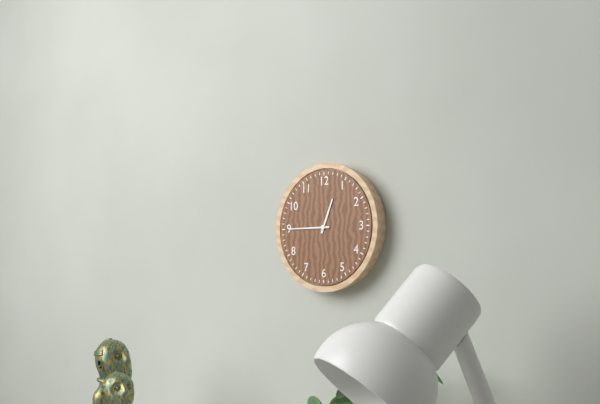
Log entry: 12 h 45 min
